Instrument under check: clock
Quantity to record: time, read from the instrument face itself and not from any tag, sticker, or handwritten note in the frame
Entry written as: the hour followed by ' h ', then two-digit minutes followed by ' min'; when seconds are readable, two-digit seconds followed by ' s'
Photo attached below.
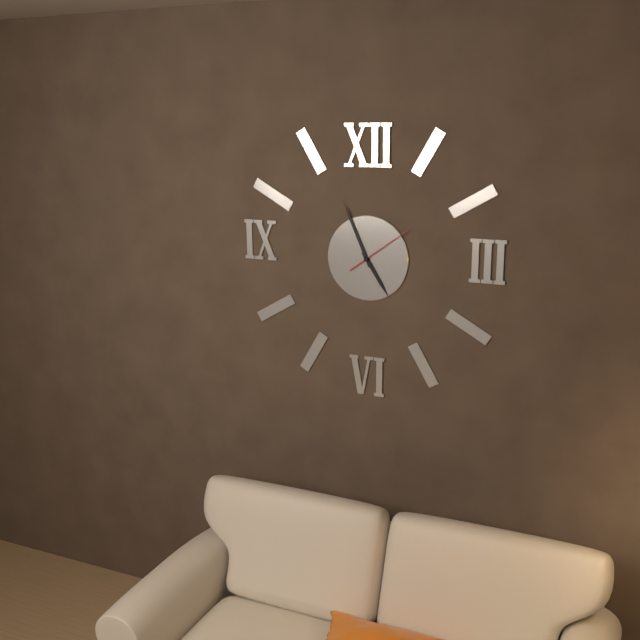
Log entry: 4 h 56 min 09 s
